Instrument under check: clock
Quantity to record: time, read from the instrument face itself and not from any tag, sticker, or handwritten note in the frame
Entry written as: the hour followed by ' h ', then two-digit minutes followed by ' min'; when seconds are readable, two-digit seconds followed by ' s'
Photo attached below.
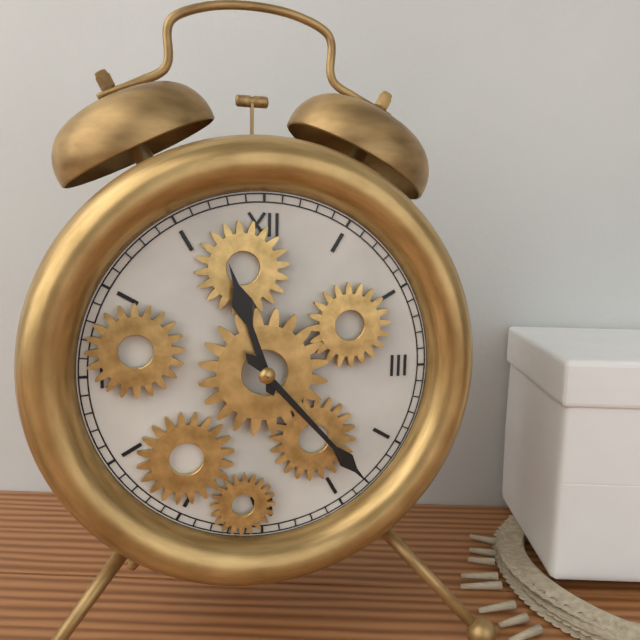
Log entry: 11 h 23 min
